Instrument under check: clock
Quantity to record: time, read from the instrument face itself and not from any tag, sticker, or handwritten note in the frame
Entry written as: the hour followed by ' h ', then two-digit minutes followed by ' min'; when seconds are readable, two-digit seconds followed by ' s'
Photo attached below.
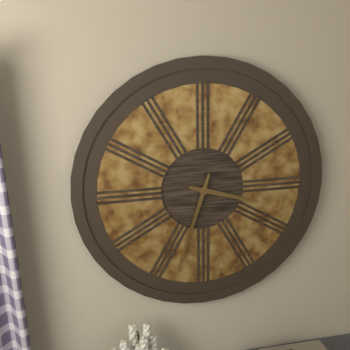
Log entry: 3 h 33 min
